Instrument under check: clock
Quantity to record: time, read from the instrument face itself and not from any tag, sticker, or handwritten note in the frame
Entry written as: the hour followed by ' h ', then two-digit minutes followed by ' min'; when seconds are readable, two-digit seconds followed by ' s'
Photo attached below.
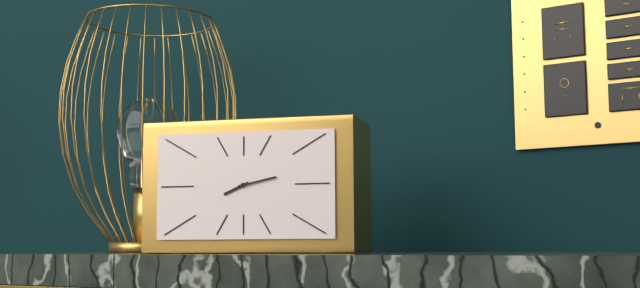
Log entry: 8 h 13 min
